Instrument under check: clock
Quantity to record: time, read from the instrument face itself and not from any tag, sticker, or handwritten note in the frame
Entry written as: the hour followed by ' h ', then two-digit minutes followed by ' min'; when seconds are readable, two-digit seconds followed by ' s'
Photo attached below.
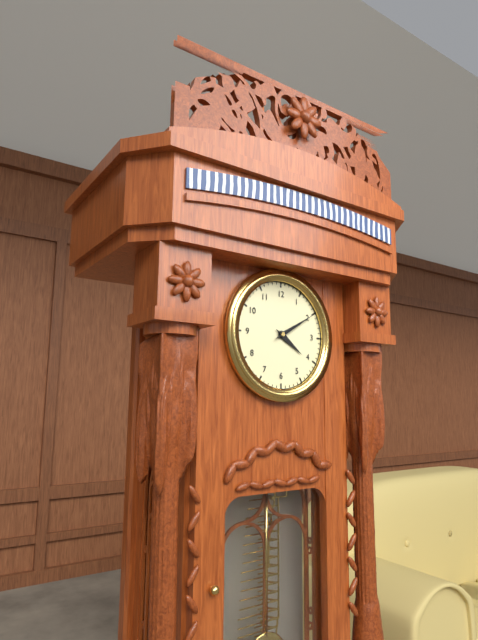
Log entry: 4 h 10 min
